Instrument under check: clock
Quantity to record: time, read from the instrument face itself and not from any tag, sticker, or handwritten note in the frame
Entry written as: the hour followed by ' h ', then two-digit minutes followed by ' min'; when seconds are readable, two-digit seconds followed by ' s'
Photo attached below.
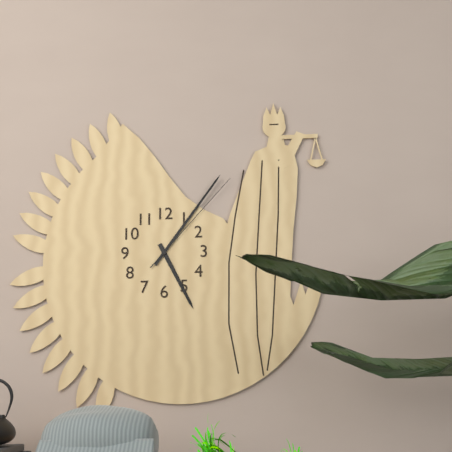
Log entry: 5 h 06 min 07 s
